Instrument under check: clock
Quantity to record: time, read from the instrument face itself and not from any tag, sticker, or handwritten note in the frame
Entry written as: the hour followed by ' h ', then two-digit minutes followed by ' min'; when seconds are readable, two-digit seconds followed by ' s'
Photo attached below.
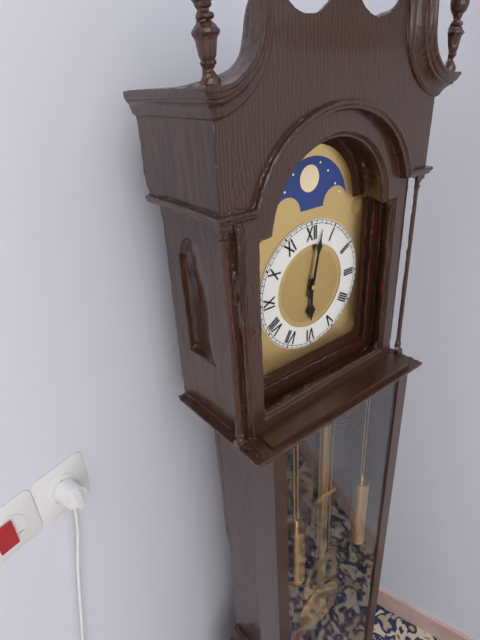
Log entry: 6 h 02 min
